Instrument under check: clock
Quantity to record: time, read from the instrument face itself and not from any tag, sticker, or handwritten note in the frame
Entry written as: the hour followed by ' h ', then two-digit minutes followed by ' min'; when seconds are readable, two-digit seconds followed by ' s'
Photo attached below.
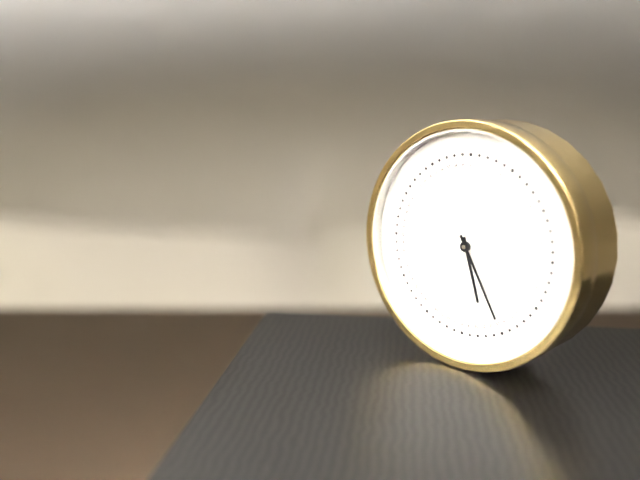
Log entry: 5 h 25 min
